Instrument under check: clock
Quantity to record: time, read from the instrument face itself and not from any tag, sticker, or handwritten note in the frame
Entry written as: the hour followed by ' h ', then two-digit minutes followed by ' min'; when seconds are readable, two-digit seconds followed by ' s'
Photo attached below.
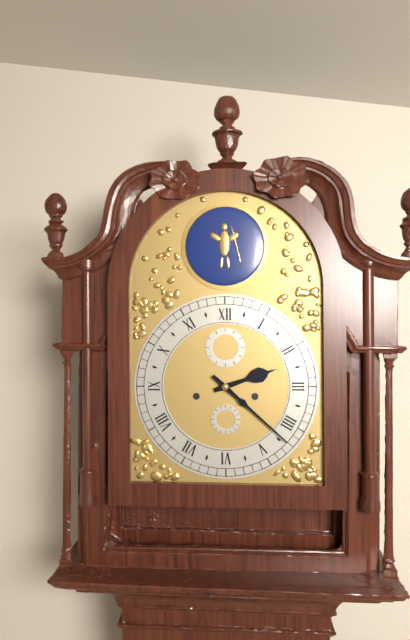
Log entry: 2 h 22 min
